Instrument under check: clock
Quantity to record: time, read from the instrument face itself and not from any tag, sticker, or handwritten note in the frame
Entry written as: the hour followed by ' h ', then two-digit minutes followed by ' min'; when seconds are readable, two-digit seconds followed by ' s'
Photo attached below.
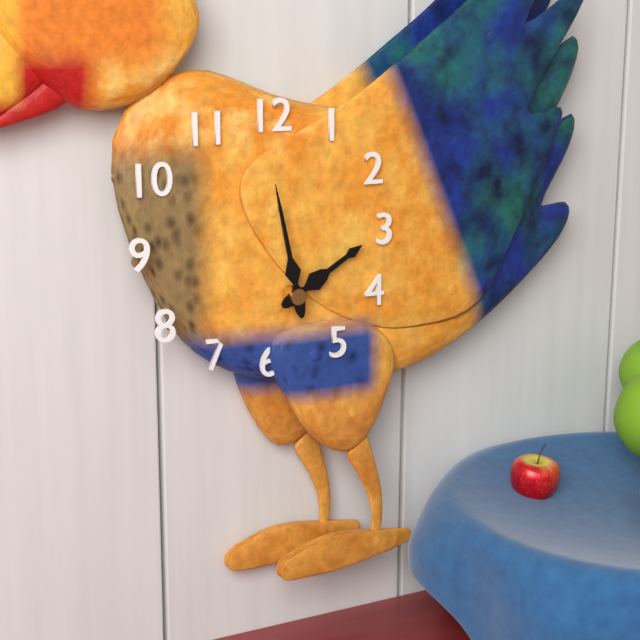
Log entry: 1 h 58 min
